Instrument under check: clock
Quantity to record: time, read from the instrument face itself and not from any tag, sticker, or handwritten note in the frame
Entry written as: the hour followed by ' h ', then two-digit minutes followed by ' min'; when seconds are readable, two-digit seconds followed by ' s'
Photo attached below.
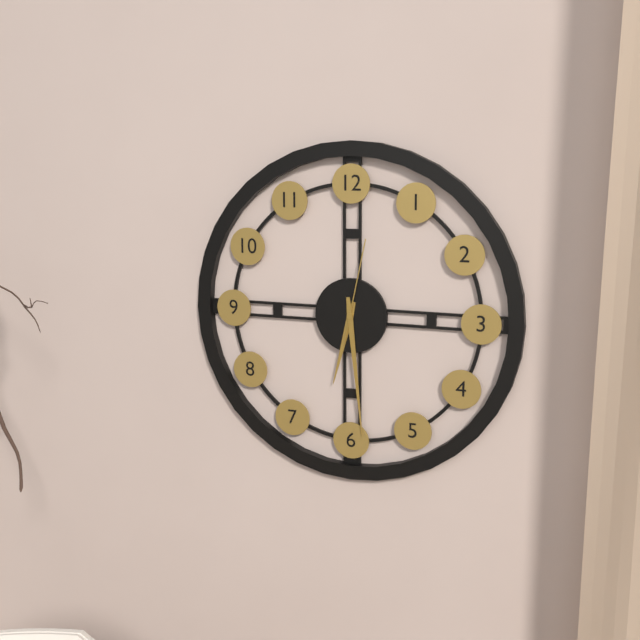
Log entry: 6 h 29 min 02 s
